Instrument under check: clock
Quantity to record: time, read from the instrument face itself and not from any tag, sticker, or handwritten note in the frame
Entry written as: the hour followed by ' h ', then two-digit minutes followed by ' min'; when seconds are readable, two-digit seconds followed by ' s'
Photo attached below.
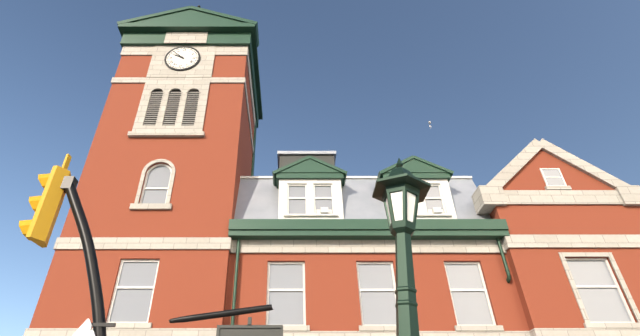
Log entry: 9 h 52 min
